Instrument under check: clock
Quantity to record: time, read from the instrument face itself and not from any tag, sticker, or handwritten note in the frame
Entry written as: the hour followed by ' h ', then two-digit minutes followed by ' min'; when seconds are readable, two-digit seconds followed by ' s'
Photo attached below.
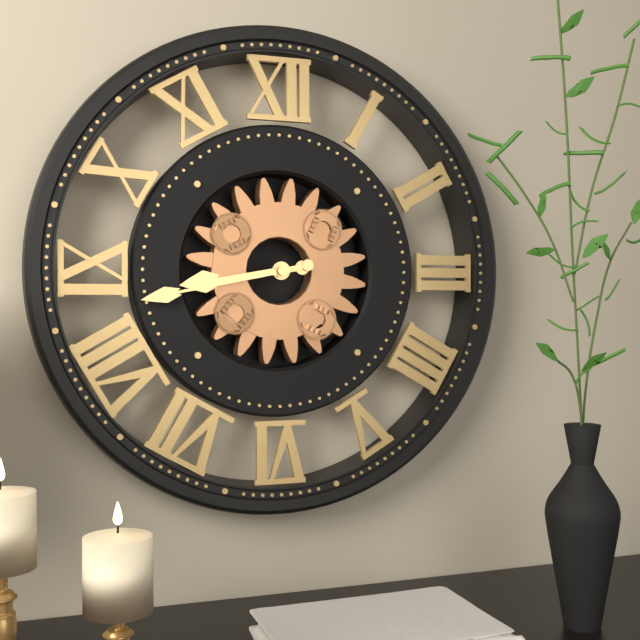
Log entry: 8 h 43 min
